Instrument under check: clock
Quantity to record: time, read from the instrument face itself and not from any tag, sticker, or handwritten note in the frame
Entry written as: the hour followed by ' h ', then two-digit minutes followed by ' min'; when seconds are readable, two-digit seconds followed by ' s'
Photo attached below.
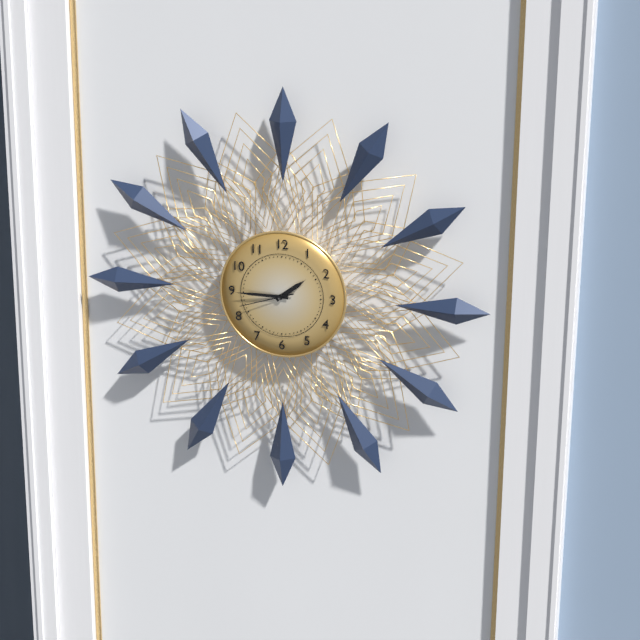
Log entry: 1 h 45 min 42 s
